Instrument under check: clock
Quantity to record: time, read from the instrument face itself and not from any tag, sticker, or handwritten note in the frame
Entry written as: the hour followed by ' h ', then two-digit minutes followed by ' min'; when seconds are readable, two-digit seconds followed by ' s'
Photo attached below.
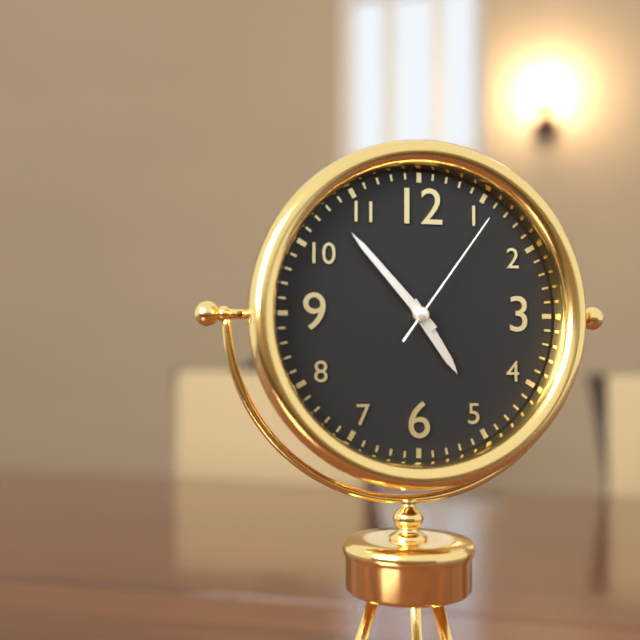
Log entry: 4 h 53 min 06 s
